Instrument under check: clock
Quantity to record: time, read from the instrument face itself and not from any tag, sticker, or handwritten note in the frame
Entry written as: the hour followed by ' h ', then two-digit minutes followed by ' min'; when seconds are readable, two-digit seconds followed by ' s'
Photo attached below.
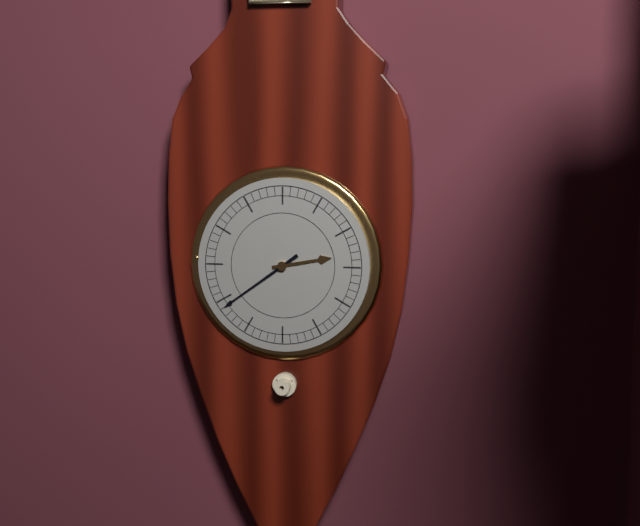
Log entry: 2 h 39 min
